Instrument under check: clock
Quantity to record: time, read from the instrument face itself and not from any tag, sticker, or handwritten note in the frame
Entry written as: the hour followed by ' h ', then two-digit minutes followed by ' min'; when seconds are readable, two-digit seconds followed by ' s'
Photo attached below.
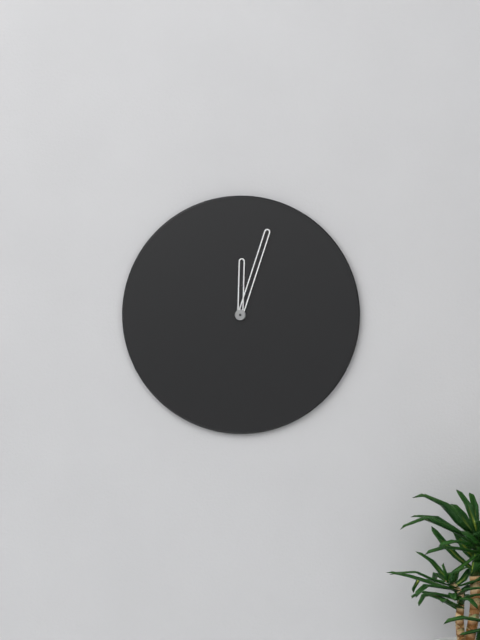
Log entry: 12 h 03 min
